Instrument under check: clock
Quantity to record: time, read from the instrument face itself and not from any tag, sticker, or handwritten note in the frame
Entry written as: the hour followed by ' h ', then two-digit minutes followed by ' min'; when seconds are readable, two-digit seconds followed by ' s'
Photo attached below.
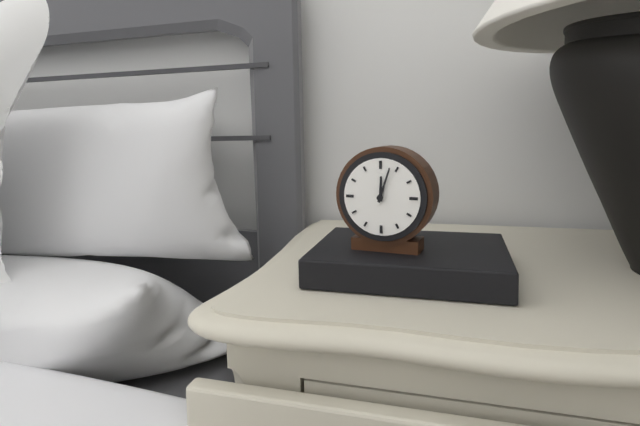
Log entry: 12 h 03 min
